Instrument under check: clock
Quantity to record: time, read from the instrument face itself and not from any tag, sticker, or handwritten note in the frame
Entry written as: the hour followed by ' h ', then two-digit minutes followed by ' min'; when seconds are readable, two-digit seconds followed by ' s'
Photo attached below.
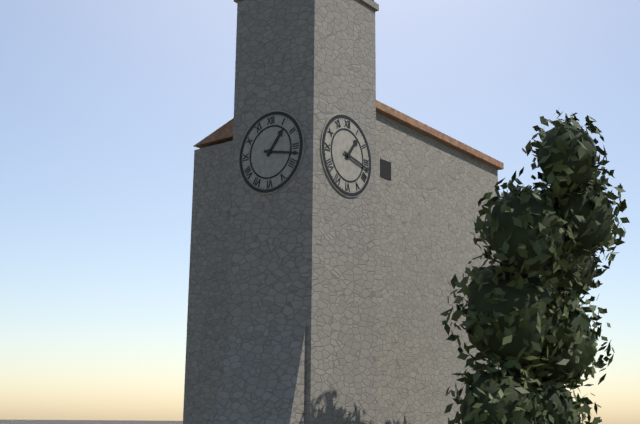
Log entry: 1 h 17 min
